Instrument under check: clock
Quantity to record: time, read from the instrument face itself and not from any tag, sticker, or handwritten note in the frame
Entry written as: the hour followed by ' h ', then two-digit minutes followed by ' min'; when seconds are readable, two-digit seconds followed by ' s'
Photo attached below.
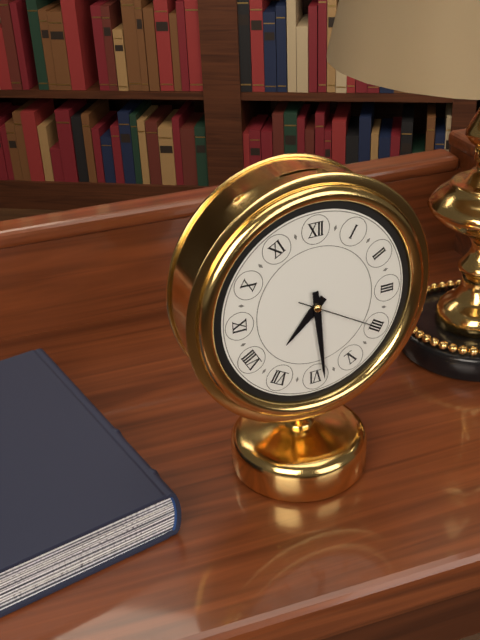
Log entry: 7 h 29 min 20 s
